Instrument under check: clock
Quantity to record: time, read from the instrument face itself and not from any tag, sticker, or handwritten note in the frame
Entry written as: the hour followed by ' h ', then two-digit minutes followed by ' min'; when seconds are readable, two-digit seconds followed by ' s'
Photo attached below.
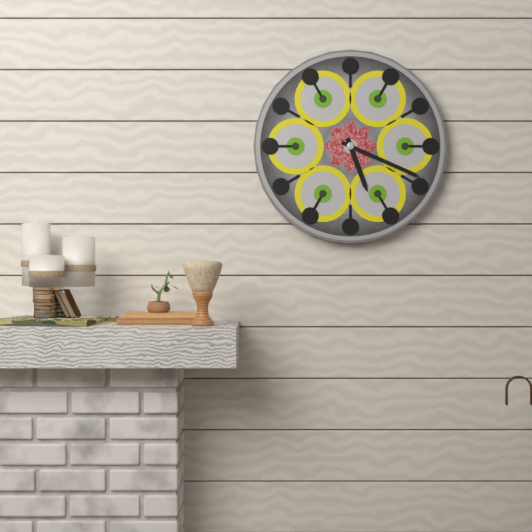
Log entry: 5 h 19 min
